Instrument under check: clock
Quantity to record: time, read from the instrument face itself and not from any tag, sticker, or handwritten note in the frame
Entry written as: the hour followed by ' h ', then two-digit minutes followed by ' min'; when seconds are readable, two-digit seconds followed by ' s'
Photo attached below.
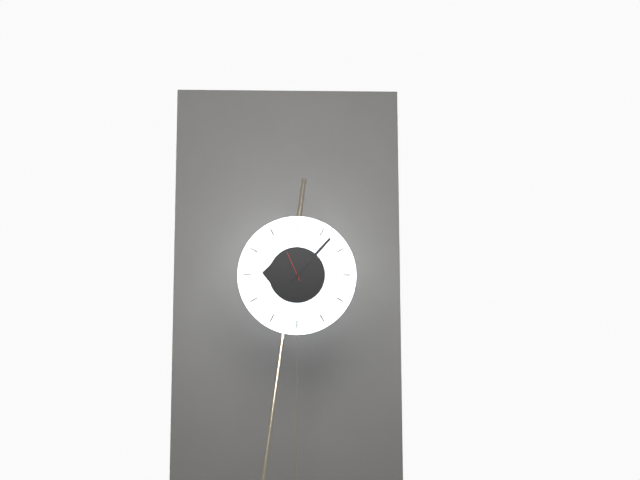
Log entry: 9 h 07 min 56 s
